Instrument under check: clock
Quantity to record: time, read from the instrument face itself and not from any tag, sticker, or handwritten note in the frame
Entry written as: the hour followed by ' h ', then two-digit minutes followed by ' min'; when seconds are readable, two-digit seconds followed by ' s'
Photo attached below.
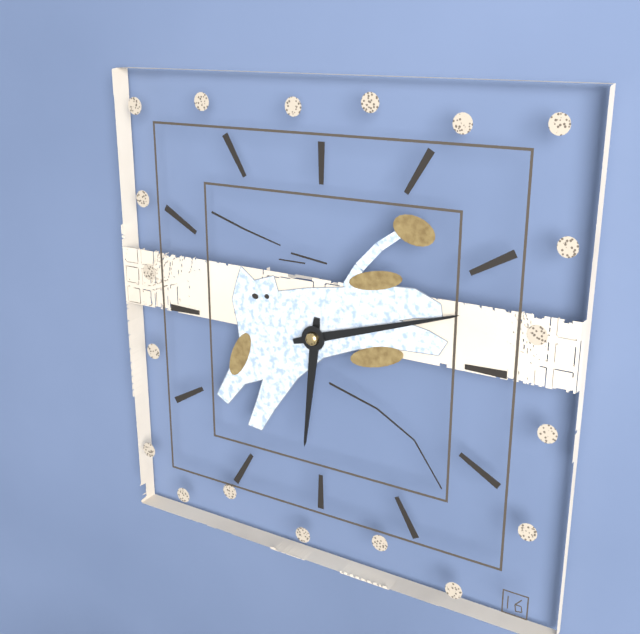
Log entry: 6 h 12 min
